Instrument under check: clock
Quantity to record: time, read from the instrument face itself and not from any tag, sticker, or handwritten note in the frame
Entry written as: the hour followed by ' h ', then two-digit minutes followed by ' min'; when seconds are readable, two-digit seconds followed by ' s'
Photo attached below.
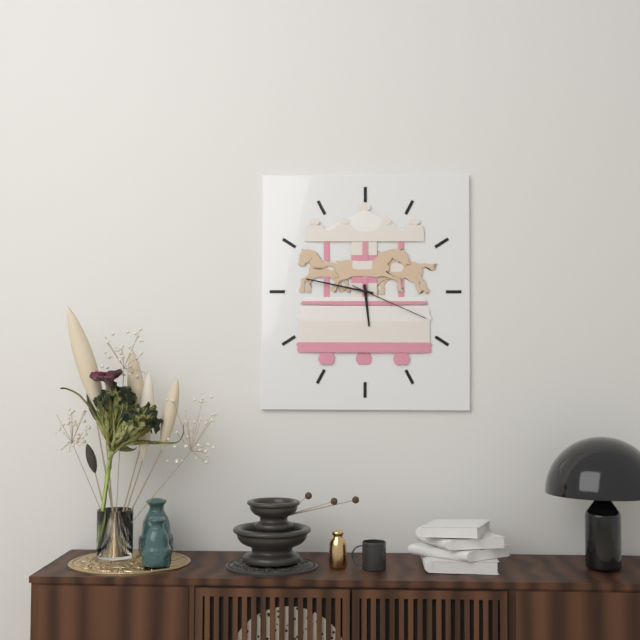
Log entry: 5 h 47 min 19 s
